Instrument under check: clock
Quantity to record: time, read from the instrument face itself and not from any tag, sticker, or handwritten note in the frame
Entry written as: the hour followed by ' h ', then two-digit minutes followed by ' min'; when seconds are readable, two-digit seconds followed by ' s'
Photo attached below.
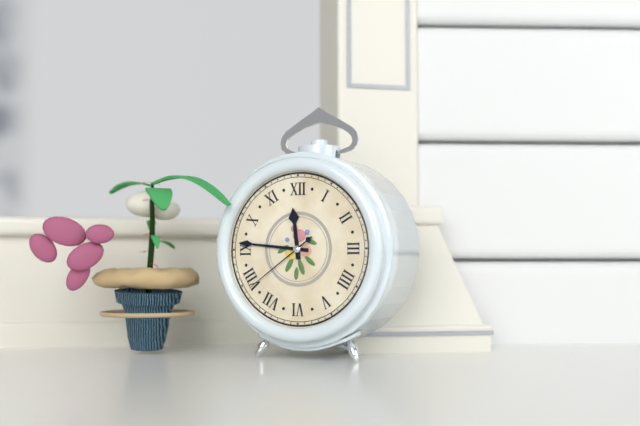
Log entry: 11 h 46 min 39 s
